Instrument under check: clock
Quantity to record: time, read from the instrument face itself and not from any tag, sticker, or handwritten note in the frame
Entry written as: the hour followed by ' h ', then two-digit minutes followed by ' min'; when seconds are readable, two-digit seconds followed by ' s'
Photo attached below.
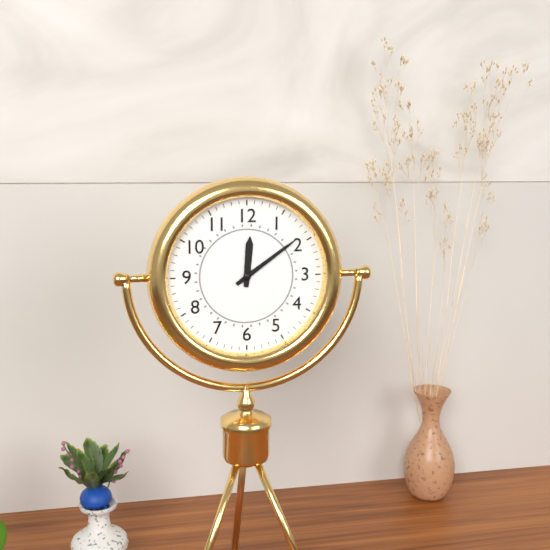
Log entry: 12 h 09 min
